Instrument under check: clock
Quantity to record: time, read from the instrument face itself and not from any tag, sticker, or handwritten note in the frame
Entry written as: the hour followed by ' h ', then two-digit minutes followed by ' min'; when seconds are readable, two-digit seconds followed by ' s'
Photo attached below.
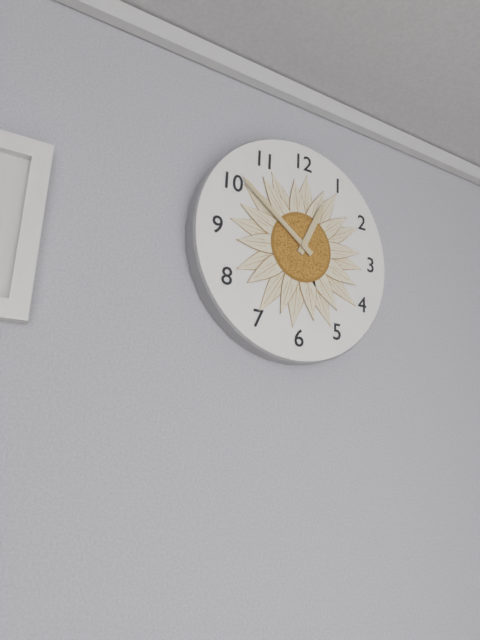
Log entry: 12 h 51 min
